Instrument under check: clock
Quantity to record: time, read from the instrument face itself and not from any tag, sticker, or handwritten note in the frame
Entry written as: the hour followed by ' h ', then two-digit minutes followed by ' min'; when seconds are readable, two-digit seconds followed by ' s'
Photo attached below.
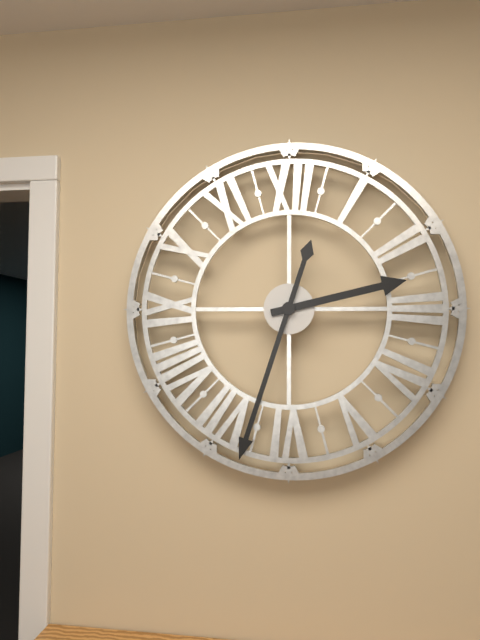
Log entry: 2 h 33 min
